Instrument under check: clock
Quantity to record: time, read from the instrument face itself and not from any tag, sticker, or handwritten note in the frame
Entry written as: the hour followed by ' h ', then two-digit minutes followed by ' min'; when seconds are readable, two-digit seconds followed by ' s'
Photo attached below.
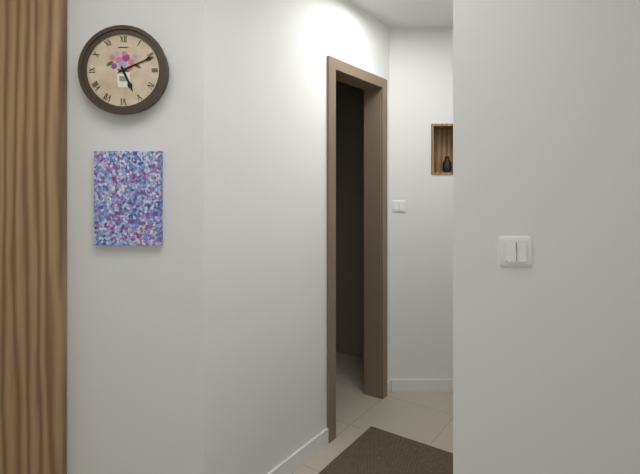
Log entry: 5 h 11 min
